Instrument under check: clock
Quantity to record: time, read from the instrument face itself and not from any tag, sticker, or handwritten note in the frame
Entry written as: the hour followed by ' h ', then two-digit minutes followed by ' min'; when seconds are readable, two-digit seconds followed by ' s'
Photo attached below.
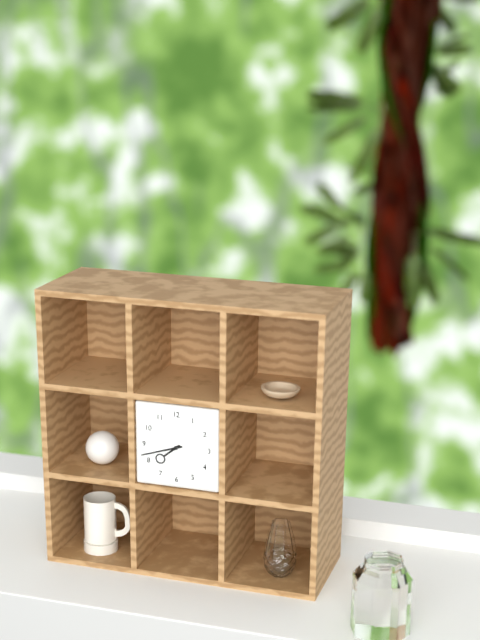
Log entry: 7 h 42 min
